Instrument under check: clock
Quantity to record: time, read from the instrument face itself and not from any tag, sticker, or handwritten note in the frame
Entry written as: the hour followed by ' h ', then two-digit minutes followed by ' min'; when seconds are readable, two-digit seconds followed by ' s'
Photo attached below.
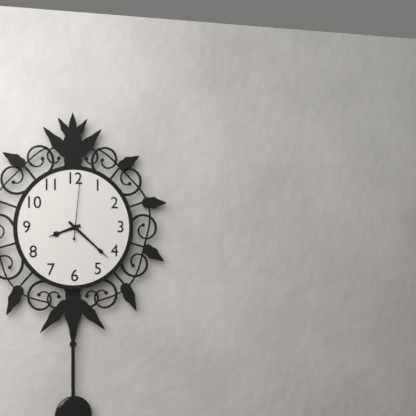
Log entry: 8 h 22 min 01 s
